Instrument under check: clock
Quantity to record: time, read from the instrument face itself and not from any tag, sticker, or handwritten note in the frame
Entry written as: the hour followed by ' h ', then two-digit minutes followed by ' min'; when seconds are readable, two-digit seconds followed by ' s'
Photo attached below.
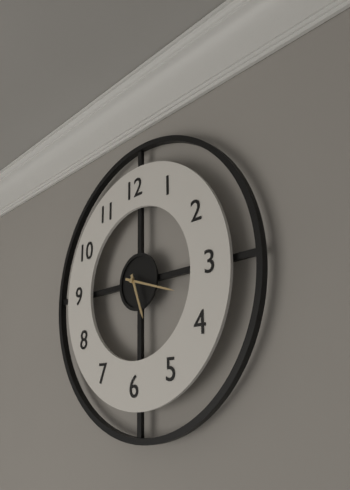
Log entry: 5 h 18 min
